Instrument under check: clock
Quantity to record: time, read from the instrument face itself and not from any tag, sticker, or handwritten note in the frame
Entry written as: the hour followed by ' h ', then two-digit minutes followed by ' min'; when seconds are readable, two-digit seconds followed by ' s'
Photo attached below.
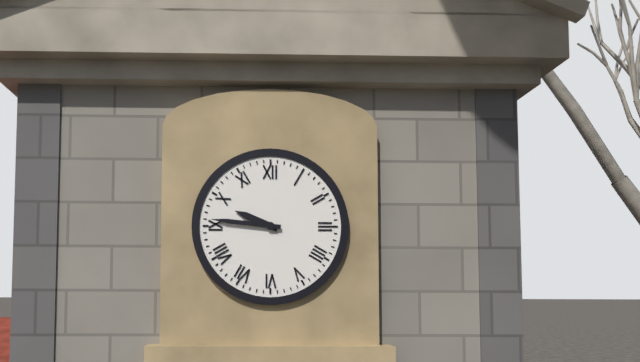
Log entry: 9 h 46 min
